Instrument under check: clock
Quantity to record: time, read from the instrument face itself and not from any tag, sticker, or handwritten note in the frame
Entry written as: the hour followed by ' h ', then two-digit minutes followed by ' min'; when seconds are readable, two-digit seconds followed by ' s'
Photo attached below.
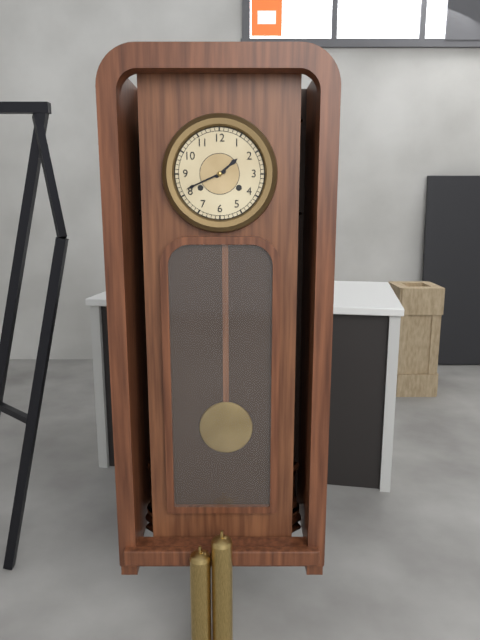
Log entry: 1 h 41 min
